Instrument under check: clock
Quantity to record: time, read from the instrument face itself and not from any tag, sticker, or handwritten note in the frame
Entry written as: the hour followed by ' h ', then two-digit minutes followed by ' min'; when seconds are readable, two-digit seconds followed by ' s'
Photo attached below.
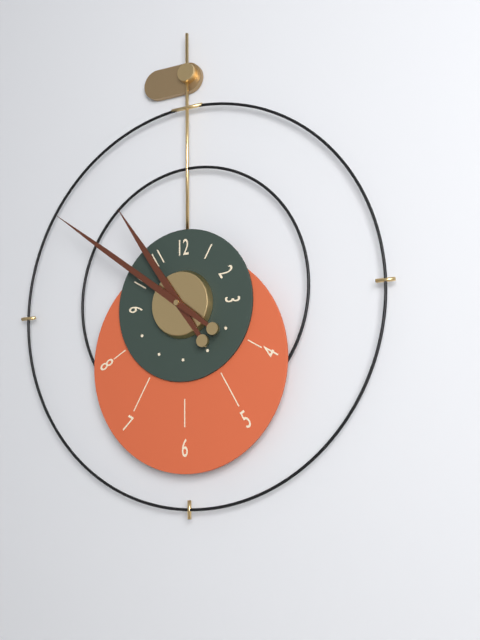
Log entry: 10 h 51 min
